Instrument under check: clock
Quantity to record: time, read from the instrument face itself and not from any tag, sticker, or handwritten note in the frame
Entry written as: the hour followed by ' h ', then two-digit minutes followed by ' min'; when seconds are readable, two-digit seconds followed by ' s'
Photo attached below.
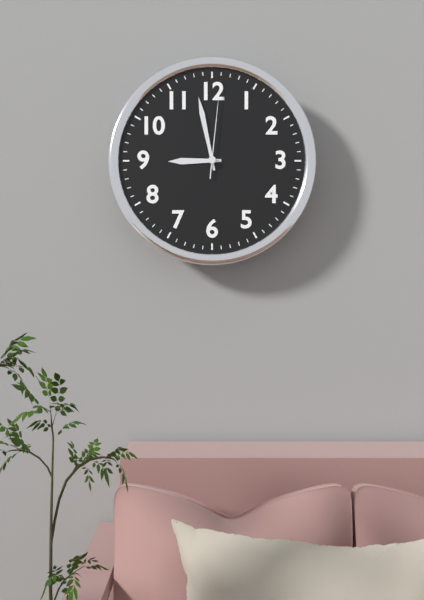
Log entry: 8 h 58 min 01 s
